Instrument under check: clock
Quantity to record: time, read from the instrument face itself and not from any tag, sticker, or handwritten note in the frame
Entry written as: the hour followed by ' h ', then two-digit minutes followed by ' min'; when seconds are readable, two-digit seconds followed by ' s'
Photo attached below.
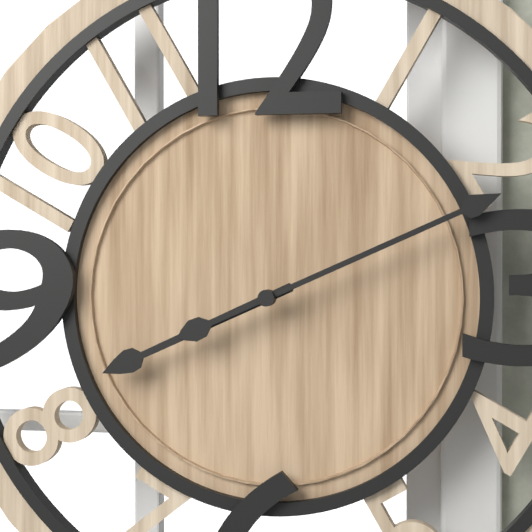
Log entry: 8 h 11 min
